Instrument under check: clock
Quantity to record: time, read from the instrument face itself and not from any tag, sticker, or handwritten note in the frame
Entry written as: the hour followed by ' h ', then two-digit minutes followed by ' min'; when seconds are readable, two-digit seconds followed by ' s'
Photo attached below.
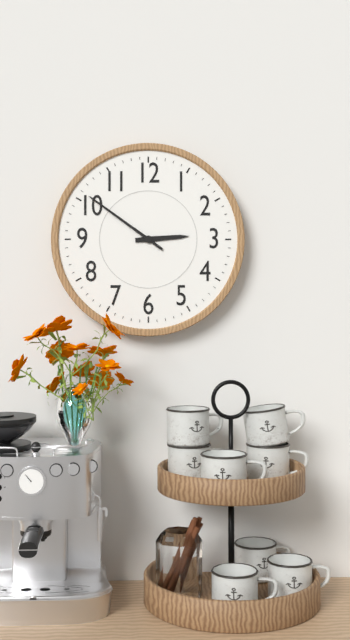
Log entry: 2 h 51 min
